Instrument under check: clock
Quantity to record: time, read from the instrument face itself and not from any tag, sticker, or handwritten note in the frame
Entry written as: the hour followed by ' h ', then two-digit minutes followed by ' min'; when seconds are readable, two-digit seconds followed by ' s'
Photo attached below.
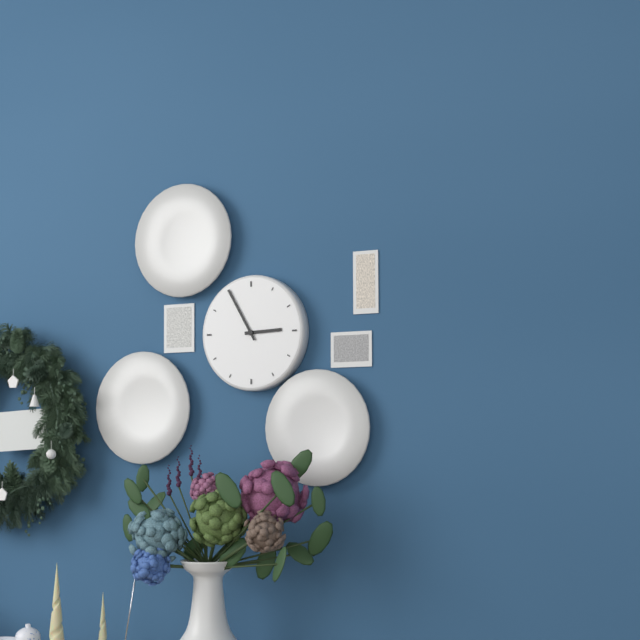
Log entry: 2 h 55 min
